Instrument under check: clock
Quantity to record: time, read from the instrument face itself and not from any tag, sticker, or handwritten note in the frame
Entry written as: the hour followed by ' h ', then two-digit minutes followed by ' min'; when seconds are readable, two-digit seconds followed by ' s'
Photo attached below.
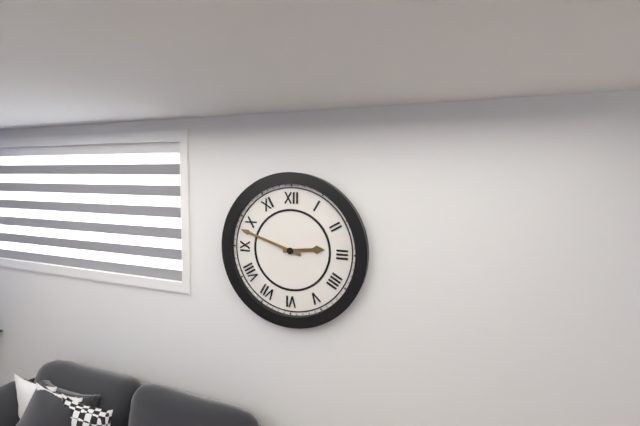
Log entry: 2 h 48 min
